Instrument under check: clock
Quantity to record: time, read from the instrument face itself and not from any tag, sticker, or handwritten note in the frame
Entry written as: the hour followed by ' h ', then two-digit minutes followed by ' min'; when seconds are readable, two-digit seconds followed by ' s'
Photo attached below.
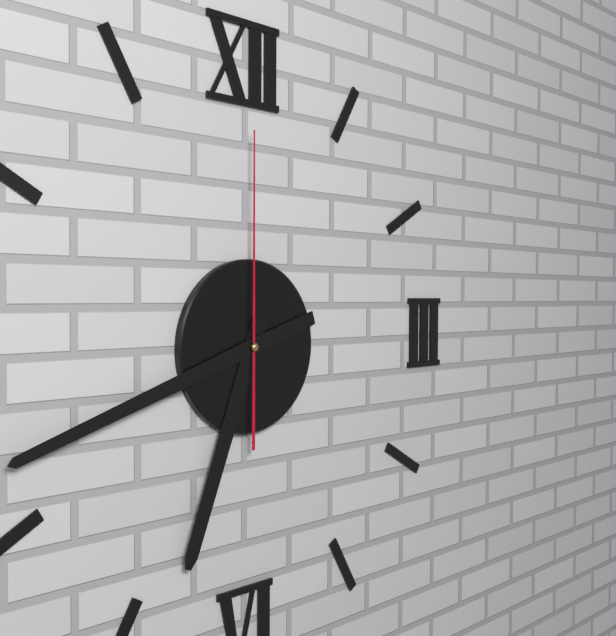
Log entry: 6 h 42 min 00 s
